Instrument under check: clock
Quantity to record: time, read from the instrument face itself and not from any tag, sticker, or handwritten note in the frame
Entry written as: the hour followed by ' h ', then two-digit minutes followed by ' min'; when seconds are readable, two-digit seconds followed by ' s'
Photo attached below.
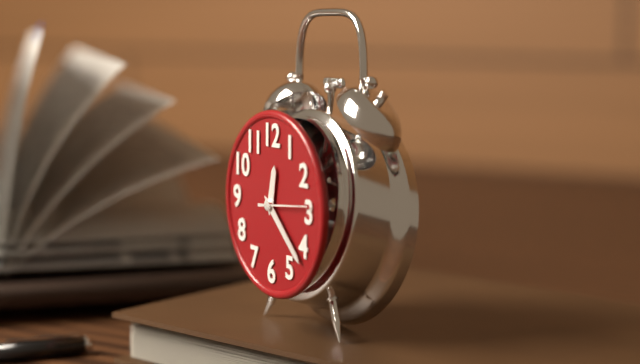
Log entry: 12 h 22 min
